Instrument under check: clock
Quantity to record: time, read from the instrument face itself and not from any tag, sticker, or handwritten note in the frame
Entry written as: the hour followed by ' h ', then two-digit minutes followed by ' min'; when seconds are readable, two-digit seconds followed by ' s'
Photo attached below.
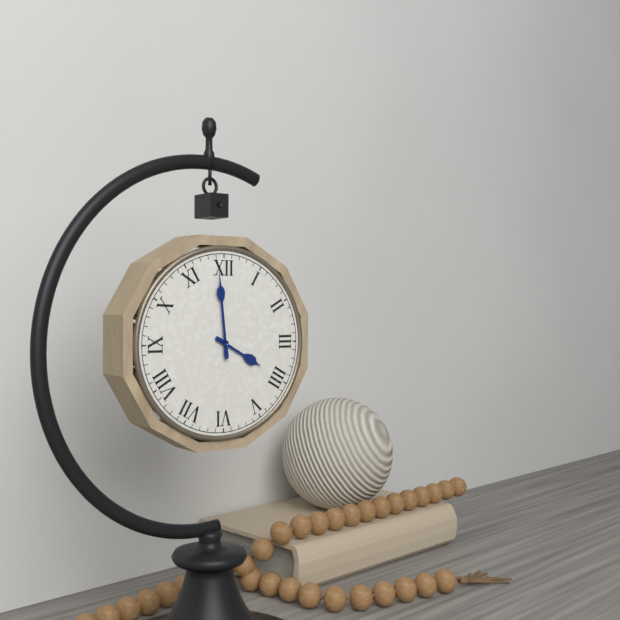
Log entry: 3 h 59 min
